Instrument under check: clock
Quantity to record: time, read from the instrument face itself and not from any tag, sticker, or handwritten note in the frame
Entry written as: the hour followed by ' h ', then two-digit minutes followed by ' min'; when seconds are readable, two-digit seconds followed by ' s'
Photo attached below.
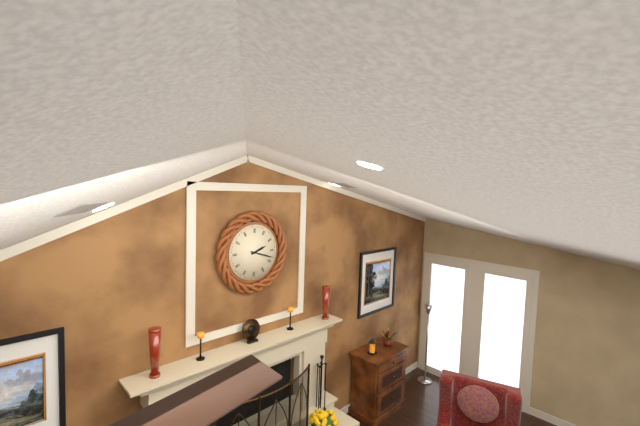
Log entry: 2 h 18 min
